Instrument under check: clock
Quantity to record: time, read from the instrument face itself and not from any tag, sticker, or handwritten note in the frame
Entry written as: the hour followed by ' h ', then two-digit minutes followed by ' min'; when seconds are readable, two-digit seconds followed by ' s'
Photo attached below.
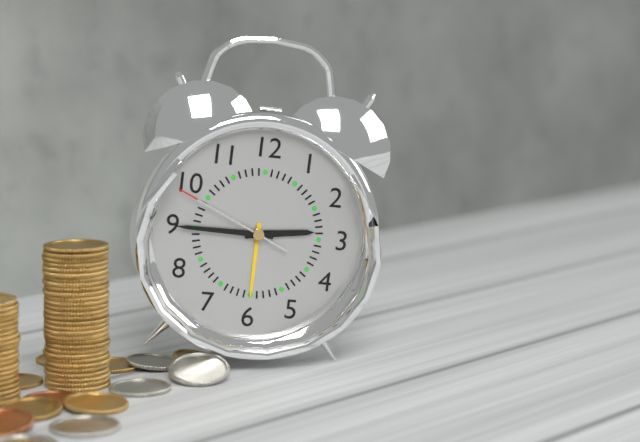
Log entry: 2 h 45 min 49 s
